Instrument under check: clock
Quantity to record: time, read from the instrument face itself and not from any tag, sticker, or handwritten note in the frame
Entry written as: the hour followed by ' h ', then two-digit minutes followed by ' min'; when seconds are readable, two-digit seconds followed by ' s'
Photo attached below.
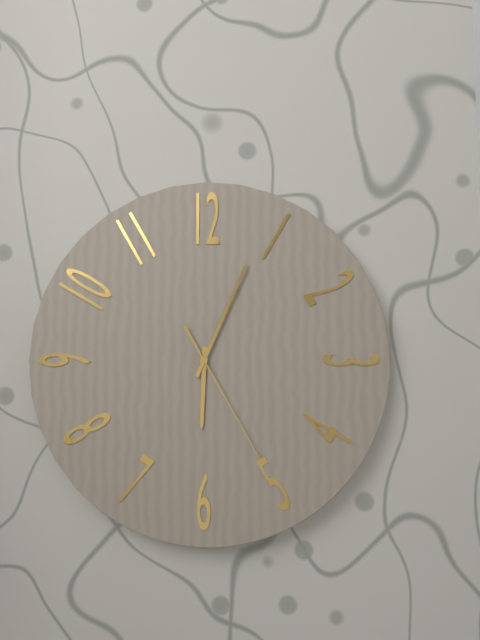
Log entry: 6 h 04 min 25 s
